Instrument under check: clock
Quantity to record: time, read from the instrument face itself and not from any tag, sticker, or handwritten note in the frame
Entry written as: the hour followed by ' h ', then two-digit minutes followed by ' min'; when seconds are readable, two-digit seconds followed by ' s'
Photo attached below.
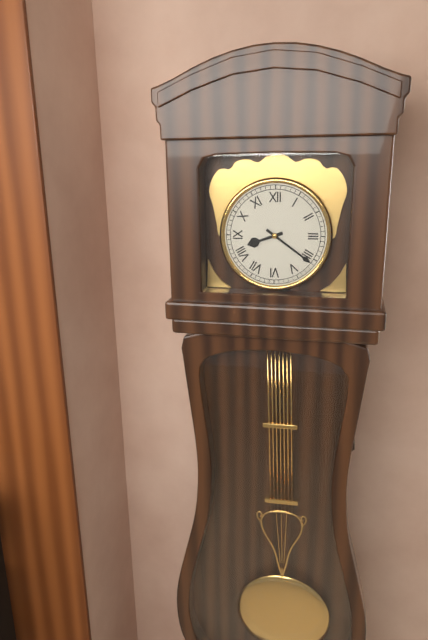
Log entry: 8 h 21 min
